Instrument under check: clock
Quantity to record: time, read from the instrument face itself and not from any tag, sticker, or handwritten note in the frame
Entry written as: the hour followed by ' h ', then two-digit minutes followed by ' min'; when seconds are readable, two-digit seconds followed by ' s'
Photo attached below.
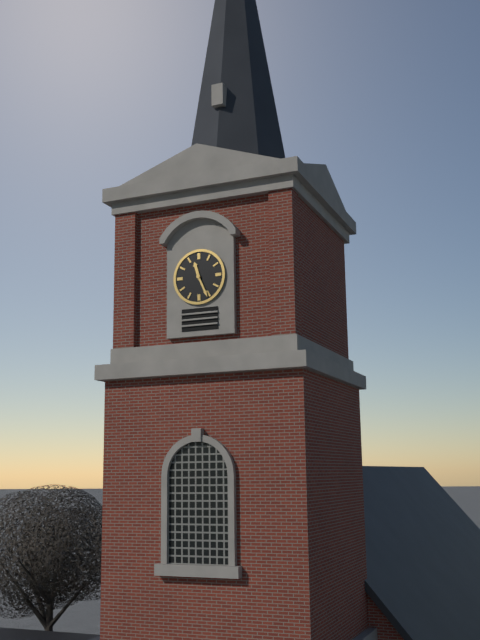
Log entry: 11 h 26 min
